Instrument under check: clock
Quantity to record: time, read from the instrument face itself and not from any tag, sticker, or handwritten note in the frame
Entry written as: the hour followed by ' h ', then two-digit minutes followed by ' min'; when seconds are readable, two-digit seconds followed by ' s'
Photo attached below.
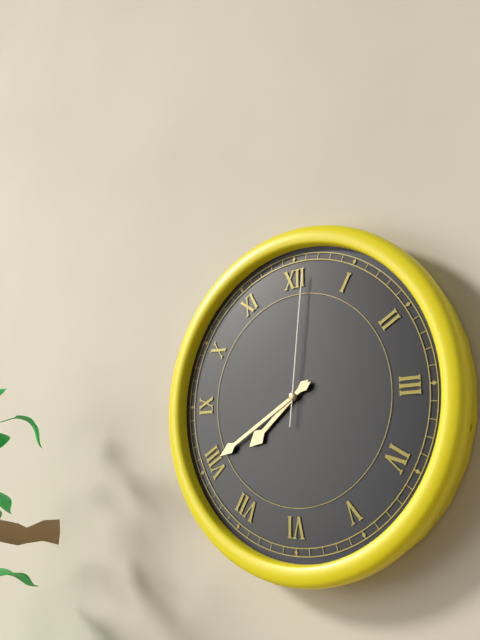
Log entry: 7 h 40 min 01 s
